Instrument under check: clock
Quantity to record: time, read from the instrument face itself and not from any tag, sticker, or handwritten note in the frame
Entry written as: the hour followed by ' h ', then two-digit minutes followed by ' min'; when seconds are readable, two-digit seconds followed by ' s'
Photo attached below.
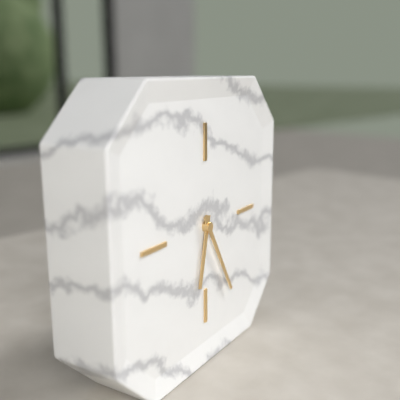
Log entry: 6 h 25 min
